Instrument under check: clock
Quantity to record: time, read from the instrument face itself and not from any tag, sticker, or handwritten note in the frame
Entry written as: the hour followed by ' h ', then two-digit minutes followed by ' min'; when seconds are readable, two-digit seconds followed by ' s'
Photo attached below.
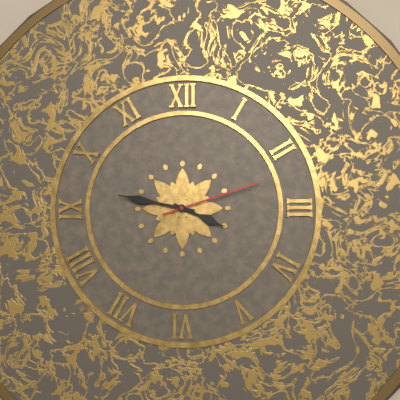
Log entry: 3 h 47 min 12 s
